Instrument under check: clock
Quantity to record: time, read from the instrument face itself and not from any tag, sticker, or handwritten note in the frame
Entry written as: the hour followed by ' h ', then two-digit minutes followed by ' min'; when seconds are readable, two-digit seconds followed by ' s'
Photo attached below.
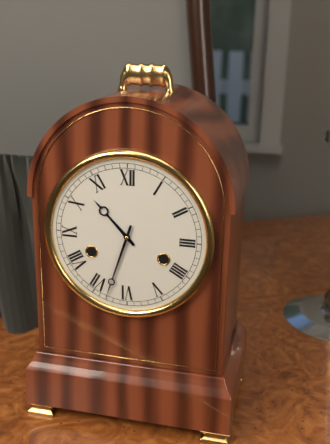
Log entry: 10 h 33 min
